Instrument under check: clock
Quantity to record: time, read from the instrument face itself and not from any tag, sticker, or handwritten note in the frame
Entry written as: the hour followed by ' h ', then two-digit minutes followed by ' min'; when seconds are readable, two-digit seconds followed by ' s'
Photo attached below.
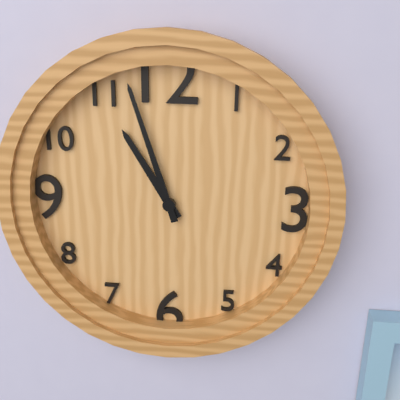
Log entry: 10 h 57 min
